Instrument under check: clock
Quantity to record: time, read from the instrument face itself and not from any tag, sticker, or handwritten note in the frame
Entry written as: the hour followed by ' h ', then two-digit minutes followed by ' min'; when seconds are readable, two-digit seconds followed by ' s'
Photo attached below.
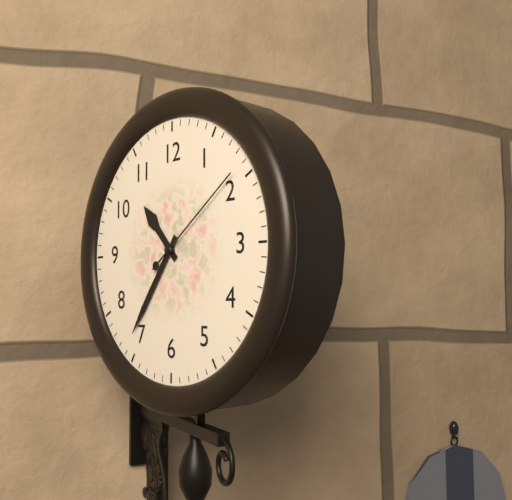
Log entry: 10 h 36 min 09 s
